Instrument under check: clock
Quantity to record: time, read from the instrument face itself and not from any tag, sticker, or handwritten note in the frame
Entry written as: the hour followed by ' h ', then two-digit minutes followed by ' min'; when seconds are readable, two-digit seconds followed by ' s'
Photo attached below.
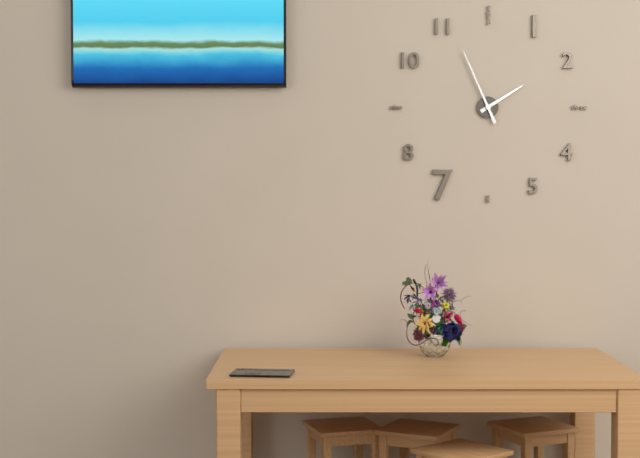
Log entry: 1 h 56 min
